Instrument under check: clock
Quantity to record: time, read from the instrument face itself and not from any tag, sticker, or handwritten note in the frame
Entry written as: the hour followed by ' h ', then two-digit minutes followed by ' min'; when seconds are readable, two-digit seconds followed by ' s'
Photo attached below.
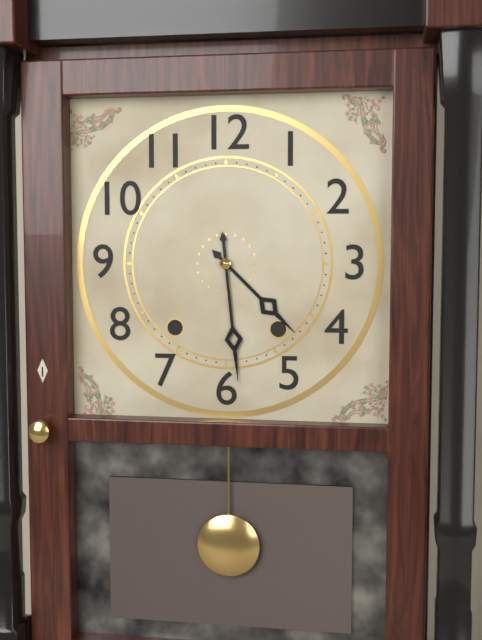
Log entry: 4 h 29 min
